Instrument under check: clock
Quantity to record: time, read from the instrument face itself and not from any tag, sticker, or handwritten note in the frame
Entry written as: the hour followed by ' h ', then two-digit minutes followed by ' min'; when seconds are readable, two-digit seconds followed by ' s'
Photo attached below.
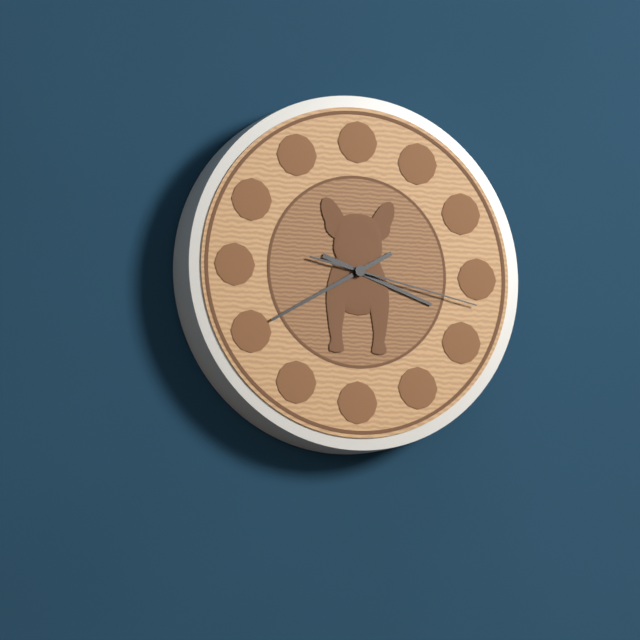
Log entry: 3 h 40 min 17 s
